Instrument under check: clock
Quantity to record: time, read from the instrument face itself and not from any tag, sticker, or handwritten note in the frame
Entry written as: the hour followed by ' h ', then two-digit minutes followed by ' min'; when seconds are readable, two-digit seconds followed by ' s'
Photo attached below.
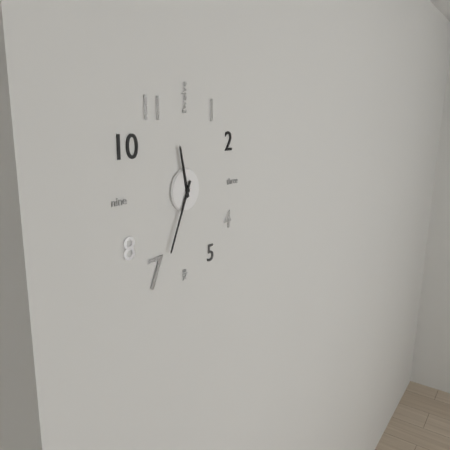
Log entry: 11 h 34 min
